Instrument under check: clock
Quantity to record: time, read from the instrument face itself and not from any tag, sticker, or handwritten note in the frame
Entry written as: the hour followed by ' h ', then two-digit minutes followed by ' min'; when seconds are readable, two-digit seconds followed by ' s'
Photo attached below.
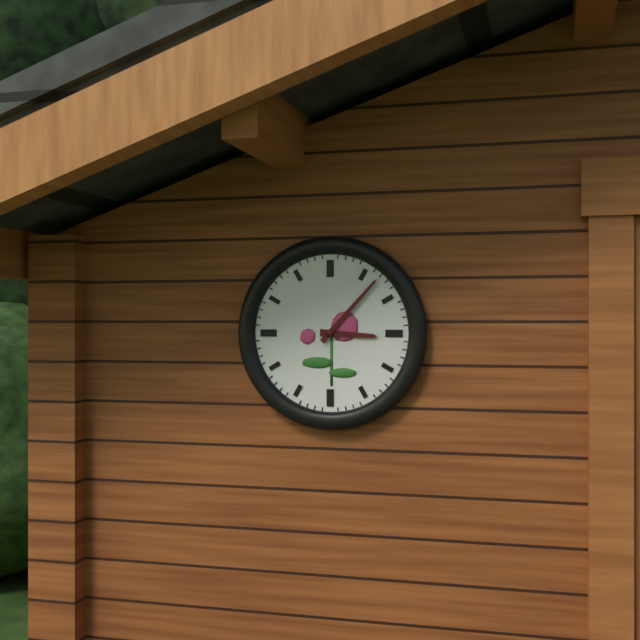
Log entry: 3 h 07 min
